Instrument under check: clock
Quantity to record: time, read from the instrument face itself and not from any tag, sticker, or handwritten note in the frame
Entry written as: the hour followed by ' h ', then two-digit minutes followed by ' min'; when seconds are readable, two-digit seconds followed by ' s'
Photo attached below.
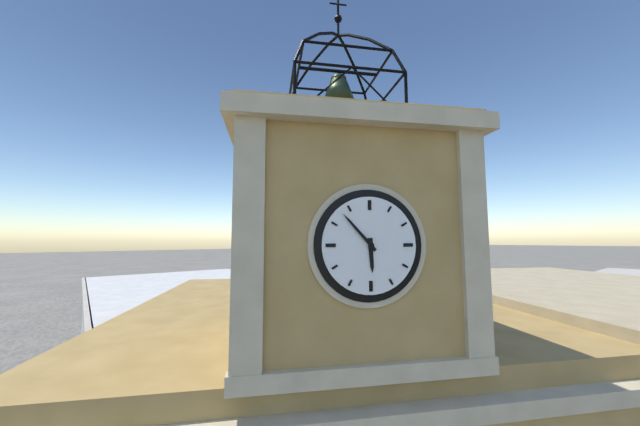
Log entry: 5 h 53 min
